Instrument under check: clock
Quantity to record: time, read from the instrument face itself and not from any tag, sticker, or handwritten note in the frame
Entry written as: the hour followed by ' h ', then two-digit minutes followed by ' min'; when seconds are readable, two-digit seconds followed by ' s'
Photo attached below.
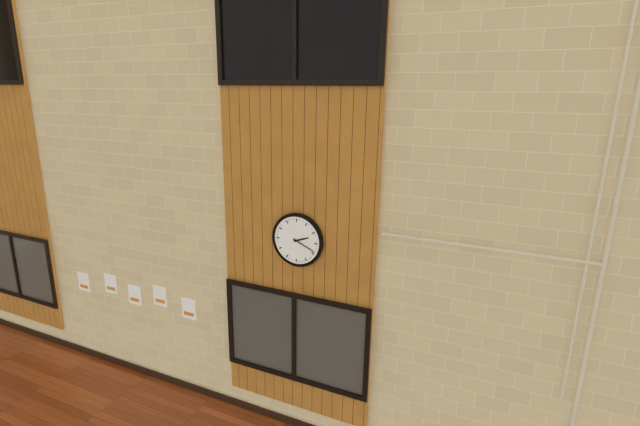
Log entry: 2 h 19 min
